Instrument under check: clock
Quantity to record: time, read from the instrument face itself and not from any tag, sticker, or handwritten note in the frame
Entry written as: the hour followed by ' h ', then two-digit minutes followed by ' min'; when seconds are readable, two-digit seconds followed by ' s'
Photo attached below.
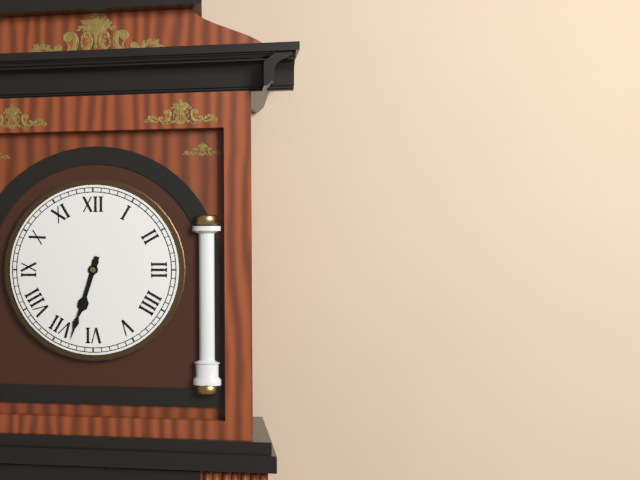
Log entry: 6 h 33 min
